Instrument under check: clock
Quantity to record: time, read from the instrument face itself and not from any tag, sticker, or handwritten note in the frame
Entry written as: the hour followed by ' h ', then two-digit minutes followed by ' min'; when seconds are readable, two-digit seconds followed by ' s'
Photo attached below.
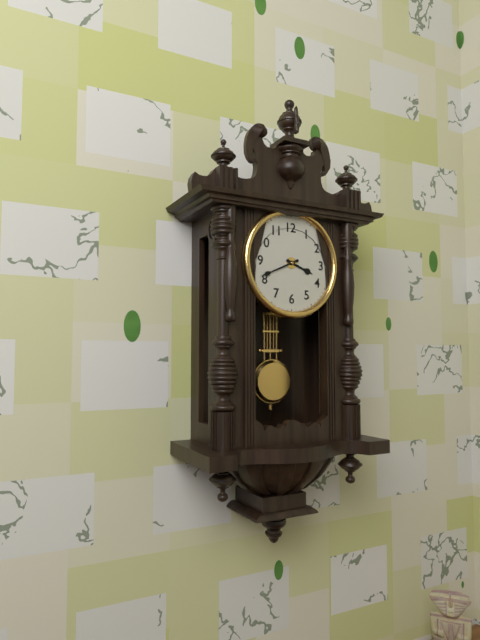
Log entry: 3 h 41 min
